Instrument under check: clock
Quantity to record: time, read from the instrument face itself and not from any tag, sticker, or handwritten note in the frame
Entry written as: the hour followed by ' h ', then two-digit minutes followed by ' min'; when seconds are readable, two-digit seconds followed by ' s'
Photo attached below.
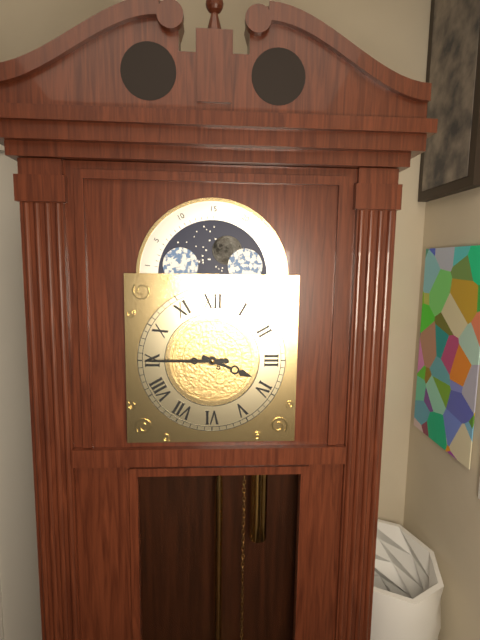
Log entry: 3 h 45 min
